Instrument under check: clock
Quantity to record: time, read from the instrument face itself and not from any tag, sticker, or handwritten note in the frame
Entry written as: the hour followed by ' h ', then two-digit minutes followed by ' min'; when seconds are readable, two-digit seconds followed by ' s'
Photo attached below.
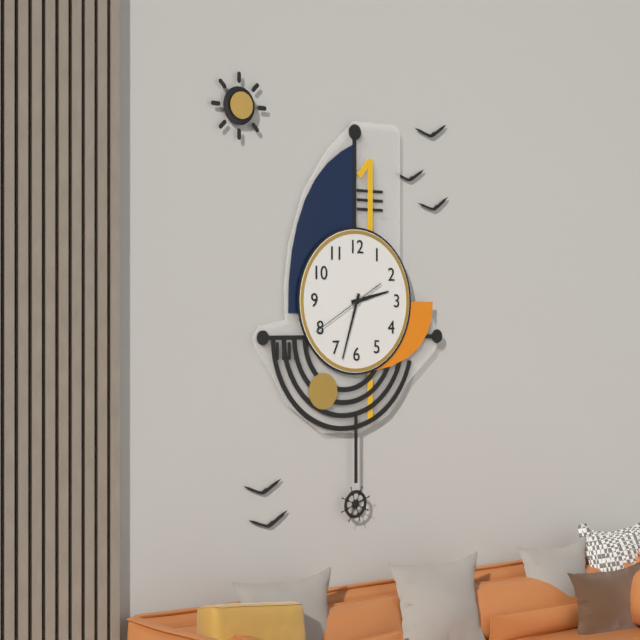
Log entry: 2 h 33 min 40 s
